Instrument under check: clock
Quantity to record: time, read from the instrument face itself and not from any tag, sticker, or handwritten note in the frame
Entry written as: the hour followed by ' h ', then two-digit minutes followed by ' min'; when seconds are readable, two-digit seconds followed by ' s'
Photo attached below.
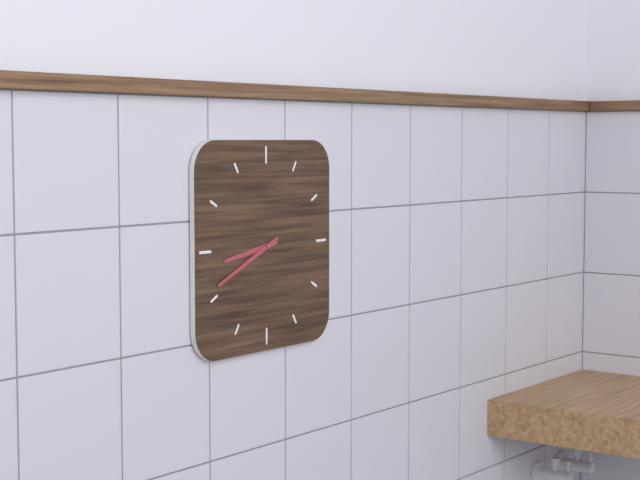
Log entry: 8 h 41 min
